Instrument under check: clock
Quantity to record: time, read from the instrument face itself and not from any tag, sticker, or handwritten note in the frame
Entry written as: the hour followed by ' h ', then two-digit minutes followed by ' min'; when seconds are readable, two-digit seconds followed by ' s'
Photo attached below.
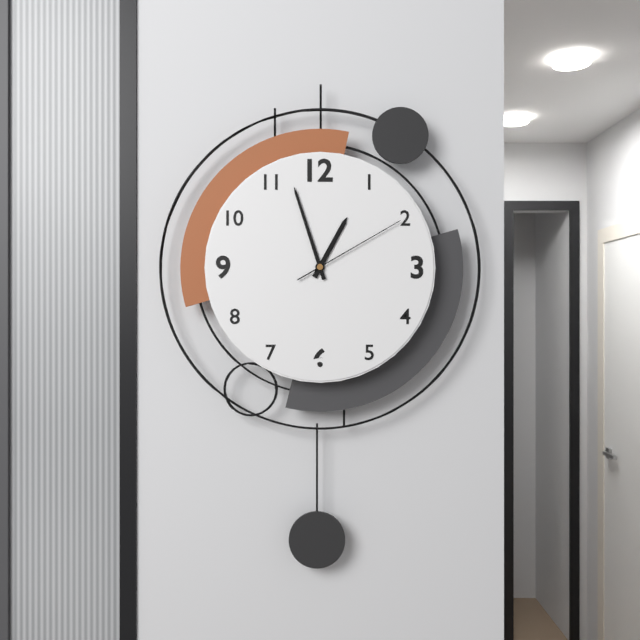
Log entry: 12 h 57 min 10 s
